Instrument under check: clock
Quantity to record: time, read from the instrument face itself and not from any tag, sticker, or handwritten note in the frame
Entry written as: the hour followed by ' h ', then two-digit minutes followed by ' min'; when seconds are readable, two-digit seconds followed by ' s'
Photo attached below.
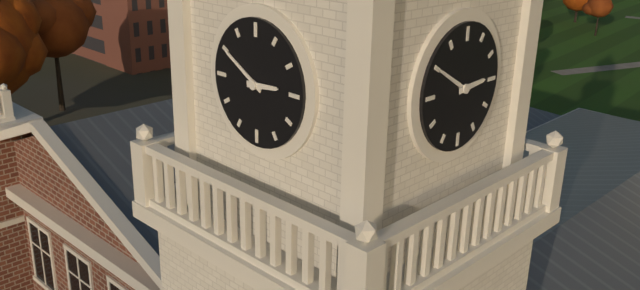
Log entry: 2 h 50 min
